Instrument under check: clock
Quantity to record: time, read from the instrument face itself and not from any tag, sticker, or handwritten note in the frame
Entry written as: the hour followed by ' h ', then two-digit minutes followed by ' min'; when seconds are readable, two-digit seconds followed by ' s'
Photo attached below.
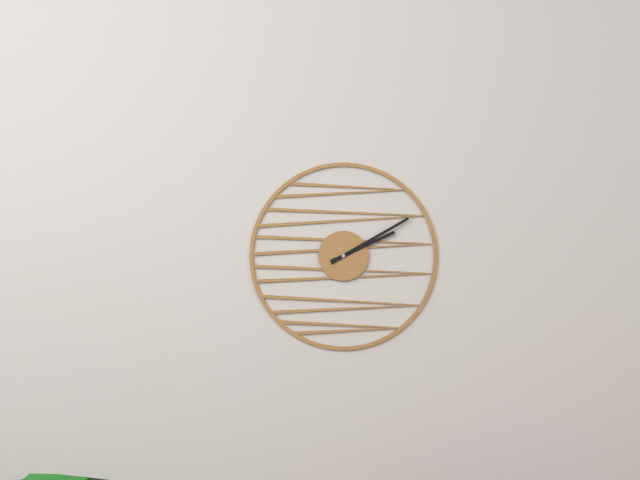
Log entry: 2 h 10 min
